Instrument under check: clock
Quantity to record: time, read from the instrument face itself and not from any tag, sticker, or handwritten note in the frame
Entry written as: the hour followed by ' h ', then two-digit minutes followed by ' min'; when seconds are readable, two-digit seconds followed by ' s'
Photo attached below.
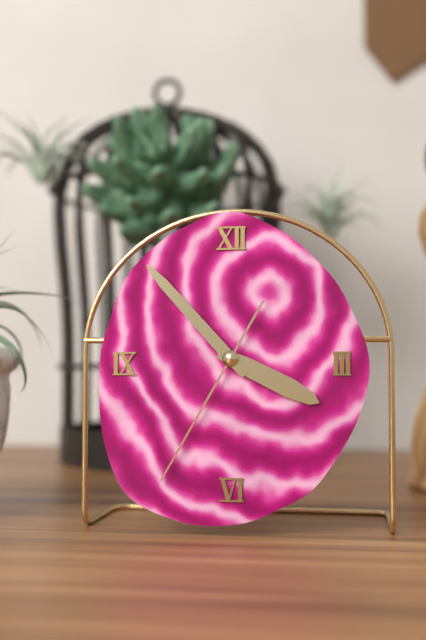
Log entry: 3 h 53 min 35 s
